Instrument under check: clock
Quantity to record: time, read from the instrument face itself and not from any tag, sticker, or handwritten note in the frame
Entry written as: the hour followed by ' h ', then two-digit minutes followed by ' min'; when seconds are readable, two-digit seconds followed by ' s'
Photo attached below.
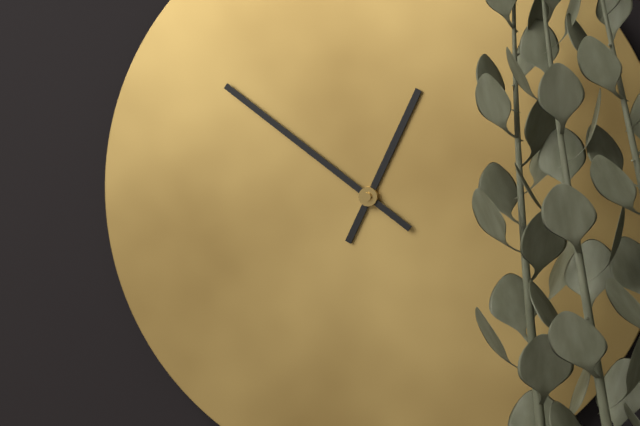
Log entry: 12 h 51 min
